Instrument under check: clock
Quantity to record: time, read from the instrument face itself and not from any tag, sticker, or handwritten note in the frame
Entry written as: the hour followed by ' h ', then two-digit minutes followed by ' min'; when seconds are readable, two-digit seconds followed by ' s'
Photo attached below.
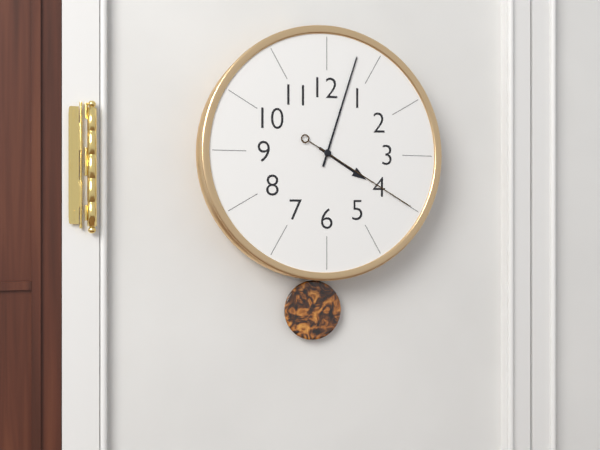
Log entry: 4 h 03 min 20 s
